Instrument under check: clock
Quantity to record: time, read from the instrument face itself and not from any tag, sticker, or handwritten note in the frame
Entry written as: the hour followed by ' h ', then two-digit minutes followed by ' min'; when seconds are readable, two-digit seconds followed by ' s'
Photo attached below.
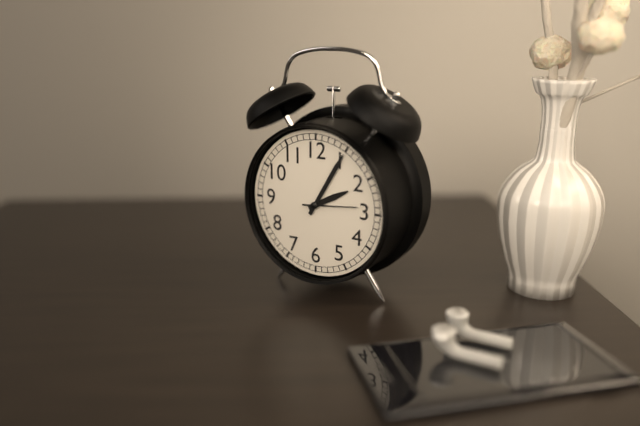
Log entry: 2 h 05 min 14 s
